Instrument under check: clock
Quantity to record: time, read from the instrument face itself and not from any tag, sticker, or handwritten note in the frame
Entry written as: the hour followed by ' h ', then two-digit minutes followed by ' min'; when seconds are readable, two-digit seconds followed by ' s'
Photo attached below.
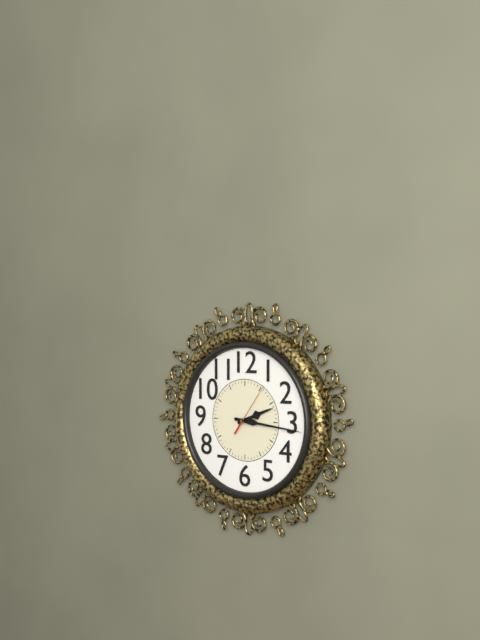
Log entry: 2 h 16 min 06 s
